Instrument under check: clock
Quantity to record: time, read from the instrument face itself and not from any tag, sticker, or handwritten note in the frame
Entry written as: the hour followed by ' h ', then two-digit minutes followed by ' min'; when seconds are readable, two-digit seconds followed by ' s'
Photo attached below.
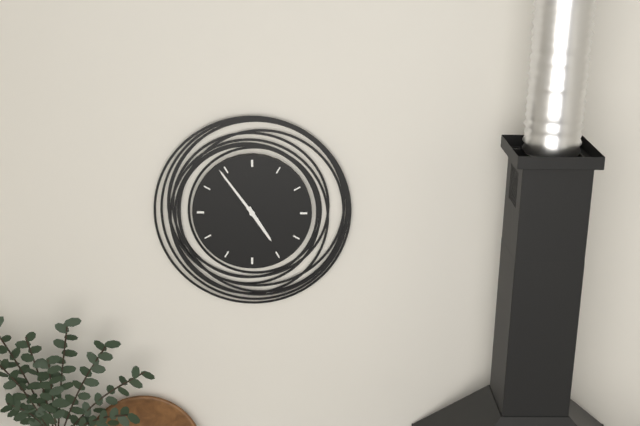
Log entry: 4 h 54 min
